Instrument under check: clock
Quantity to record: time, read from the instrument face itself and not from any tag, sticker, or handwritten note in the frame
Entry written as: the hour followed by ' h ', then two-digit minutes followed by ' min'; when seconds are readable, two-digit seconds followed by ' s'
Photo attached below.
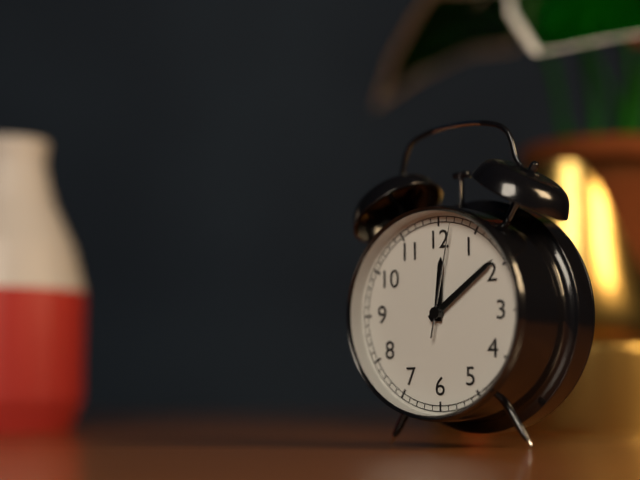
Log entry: 12 h 09 min 02 s
